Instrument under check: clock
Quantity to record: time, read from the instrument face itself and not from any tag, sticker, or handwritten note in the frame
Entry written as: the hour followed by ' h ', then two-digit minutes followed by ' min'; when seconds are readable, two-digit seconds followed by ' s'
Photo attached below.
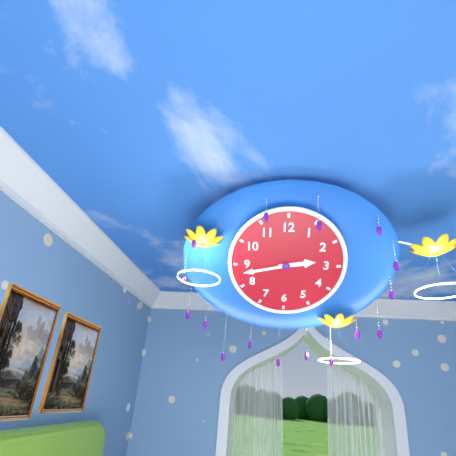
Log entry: 2 h 43 min
